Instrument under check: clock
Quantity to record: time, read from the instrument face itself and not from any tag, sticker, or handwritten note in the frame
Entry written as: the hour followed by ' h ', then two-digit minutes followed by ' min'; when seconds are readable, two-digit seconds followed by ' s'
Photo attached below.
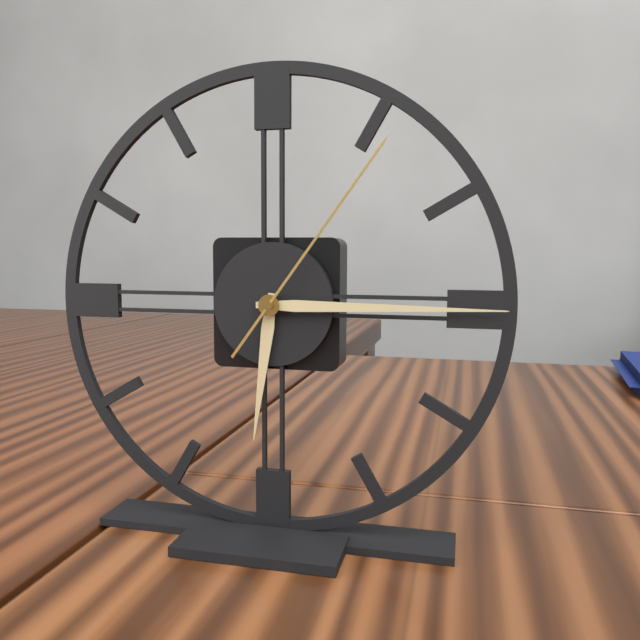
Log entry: 6 h 15 min 06 s
